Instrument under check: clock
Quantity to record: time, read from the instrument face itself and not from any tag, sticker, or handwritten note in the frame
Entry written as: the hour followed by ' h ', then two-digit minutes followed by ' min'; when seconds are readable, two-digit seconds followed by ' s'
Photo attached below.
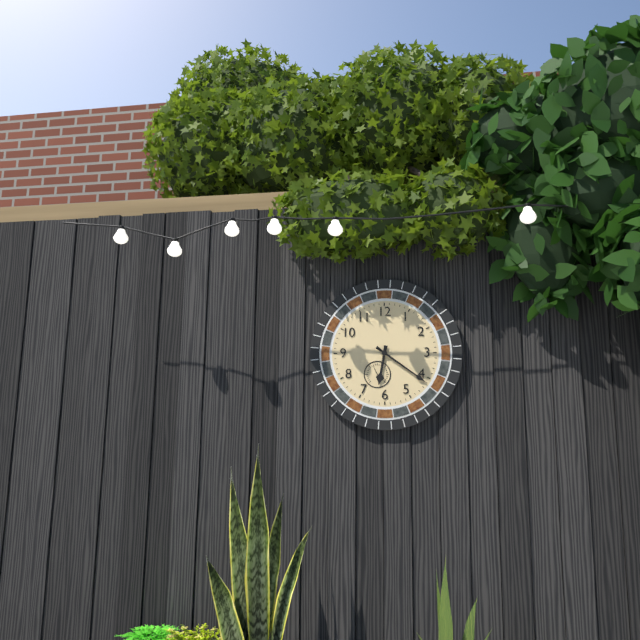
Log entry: 6 h 21 min
